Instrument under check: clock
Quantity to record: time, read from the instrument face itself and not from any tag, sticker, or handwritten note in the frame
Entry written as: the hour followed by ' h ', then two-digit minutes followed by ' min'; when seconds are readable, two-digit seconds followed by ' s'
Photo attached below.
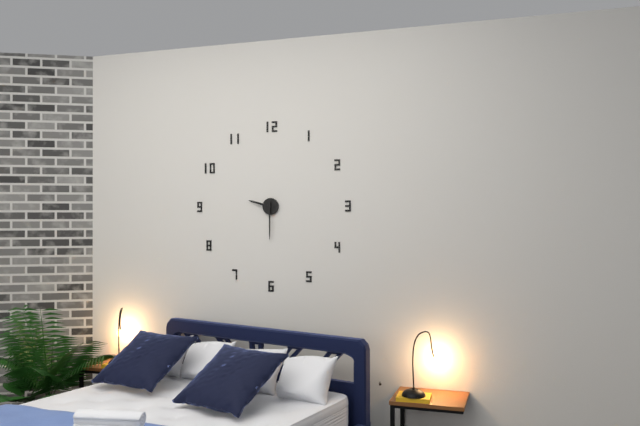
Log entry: 9 h 30 min
